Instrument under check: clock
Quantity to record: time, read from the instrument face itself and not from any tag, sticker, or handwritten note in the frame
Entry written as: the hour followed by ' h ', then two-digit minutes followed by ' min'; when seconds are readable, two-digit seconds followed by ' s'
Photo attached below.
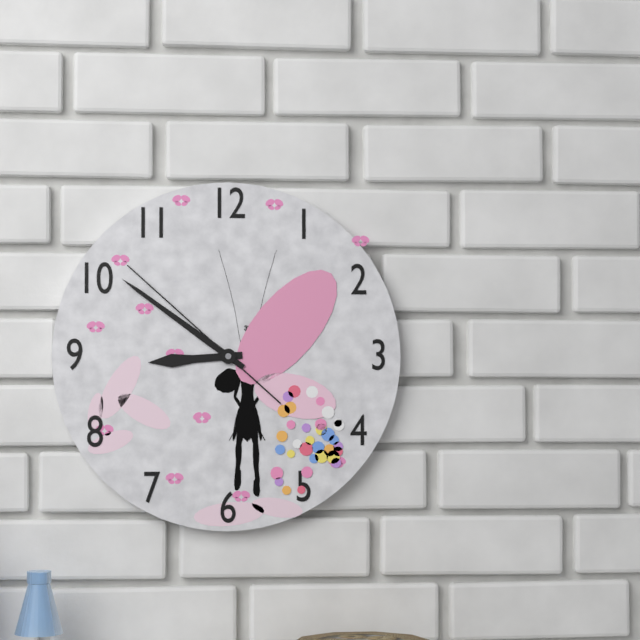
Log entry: 8 h 51 min 52 s
